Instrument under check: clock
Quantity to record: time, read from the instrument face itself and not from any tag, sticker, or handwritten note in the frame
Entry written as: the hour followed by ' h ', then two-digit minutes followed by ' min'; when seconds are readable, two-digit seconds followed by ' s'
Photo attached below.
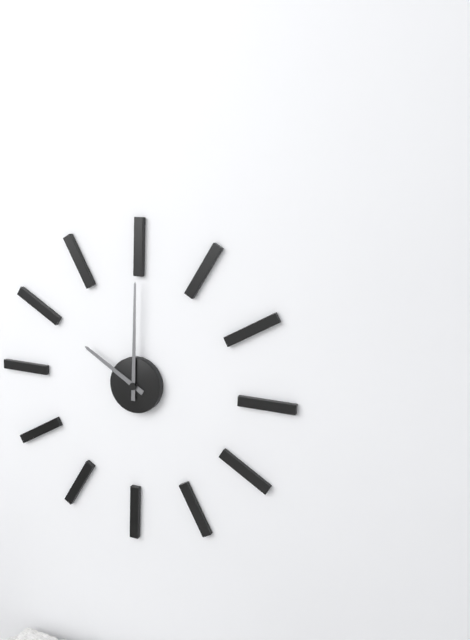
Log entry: 10 h 00 min
